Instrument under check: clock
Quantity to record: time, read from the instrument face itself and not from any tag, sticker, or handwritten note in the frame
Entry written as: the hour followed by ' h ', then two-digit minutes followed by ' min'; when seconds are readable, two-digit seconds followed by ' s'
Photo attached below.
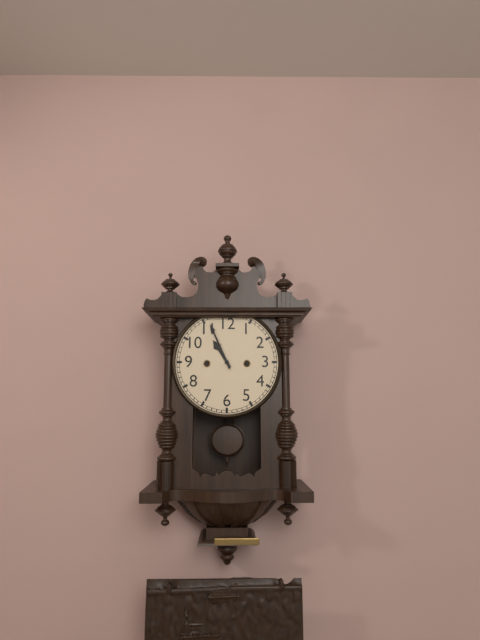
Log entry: 10 h 56 min
